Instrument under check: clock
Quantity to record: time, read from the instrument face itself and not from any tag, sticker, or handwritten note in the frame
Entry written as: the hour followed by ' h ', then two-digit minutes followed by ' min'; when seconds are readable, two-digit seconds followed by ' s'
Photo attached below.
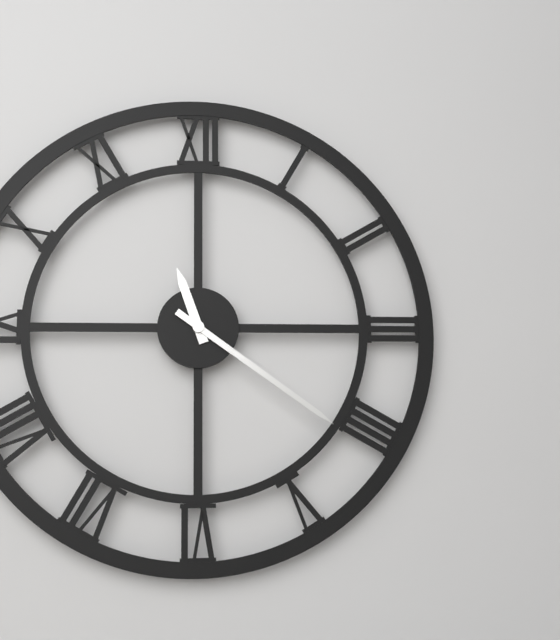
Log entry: 11 h 21 min
